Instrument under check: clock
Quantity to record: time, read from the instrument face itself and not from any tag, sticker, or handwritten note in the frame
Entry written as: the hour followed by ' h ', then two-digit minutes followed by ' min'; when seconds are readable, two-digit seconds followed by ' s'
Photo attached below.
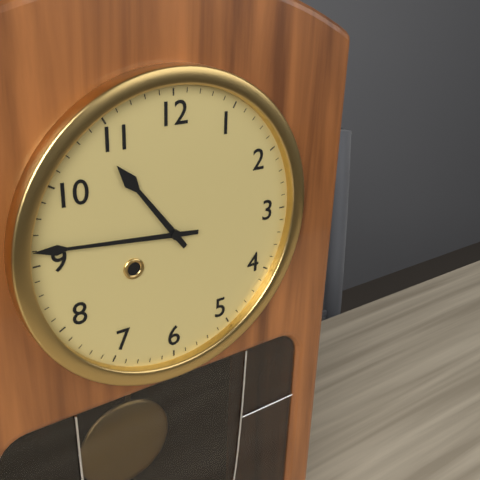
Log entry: 10 h 46 min
